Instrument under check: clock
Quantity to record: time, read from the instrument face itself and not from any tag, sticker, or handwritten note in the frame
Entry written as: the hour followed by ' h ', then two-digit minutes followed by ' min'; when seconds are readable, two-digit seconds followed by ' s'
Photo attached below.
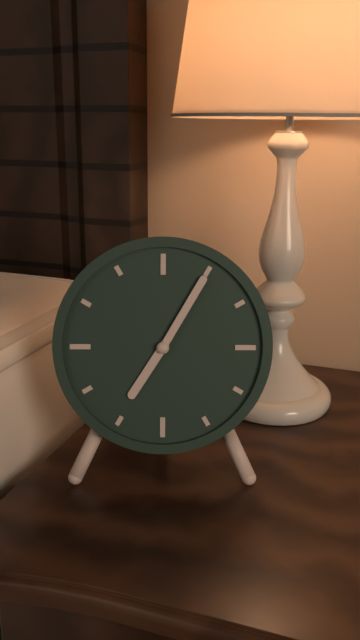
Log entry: 7 h 05 min
